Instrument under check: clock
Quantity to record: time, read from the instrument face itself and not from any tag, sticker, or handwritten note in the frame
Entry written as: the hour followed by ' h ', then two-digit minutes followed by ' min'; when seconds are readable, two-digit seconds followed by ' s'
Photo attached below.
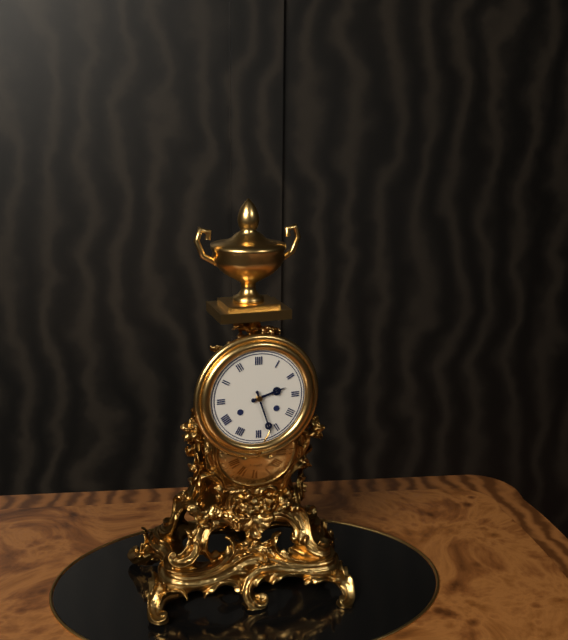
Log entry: 2 h 27 min
